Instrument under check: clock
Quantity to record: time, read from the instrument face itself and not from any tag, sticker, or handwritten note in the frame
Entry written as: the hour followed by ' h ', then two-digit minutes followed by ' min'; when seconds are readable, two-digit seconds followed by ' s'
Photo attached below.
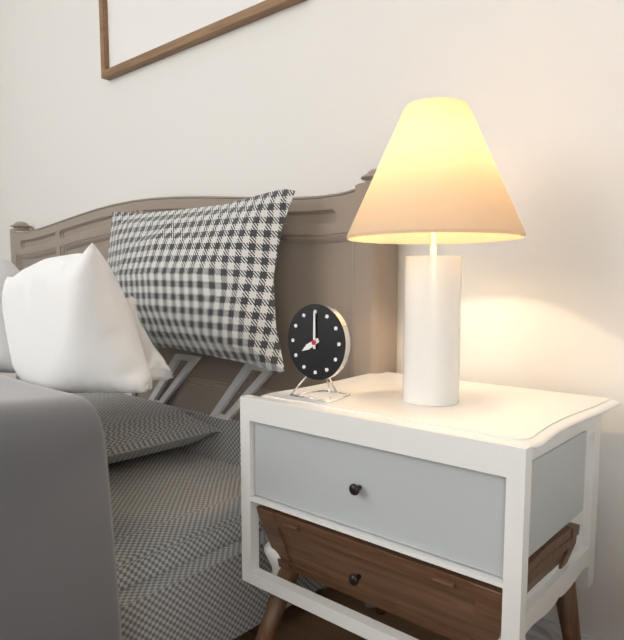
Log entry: 8 h 00 min
